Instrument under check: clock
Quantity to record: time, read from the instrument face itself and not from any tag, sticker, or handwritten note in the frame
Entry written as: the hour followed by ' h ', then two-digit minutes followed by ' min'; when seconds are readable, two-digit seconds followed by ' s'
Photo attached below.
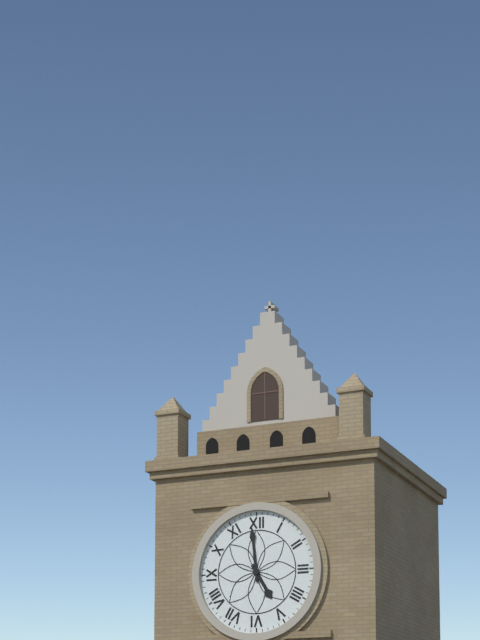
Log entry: 4 h 59 min
